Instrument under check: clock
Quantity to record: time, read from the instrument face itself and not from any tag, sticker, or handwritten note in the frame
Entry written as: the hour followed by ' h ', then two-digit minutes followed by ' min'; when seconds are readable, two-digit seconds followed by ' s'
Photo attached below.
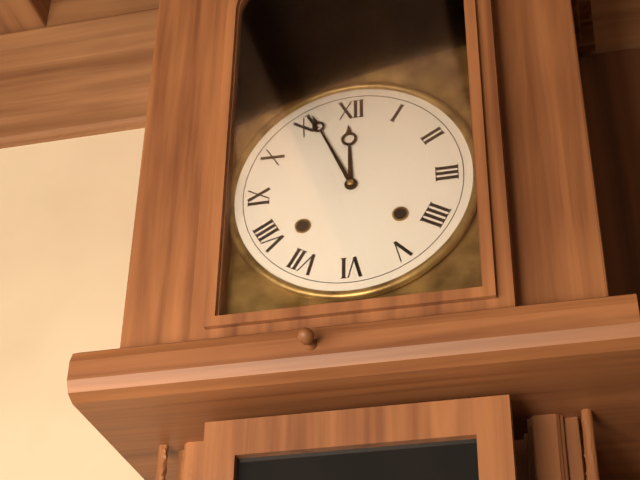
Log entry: 11 h 56 min
